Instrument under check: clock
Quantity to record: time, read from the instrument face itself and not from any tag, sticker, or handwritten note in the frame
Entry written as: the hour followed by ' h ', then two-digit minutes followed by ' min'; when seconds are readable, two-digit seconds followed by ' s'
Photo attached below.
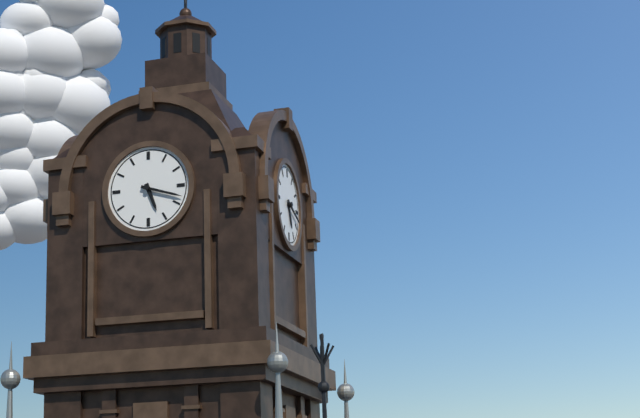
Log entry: 5 h 18 min
